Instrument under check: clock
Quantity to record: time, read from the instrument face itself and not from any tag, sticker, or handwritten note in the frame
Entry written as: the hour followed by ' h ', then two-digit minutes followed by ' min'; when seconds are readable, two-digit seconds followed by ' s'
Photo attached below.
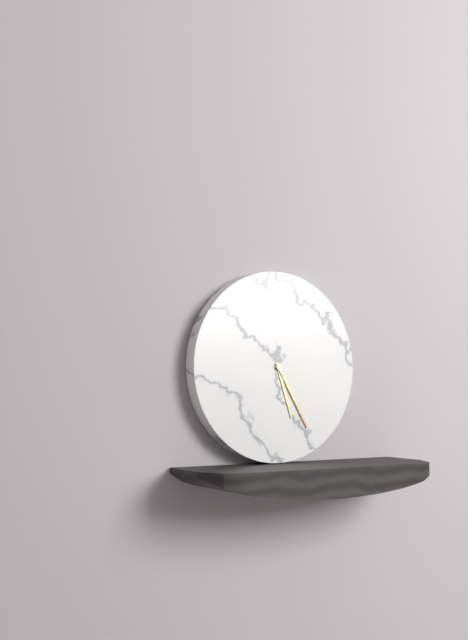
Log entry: 5 h 25 min
